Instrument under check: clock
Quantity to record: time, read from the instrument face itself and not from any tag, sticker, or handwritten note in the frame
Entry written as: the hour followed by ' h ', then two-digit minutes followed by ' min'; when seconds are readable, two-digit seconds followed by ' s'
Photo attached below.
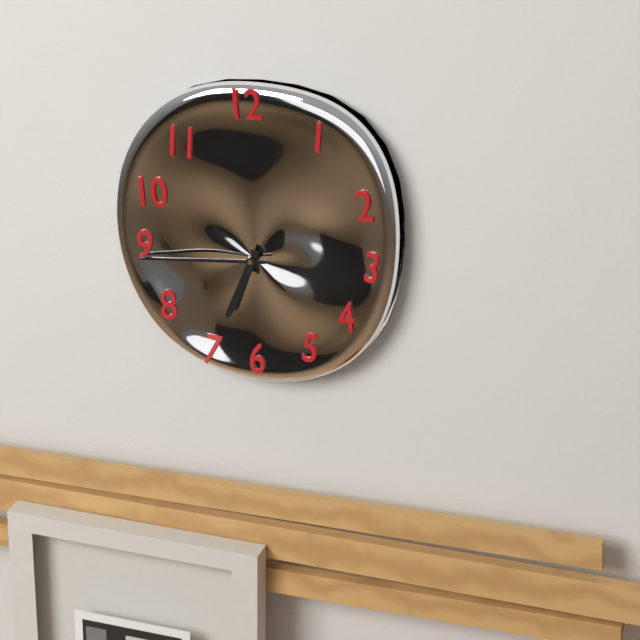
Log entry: 6 h 44 min
